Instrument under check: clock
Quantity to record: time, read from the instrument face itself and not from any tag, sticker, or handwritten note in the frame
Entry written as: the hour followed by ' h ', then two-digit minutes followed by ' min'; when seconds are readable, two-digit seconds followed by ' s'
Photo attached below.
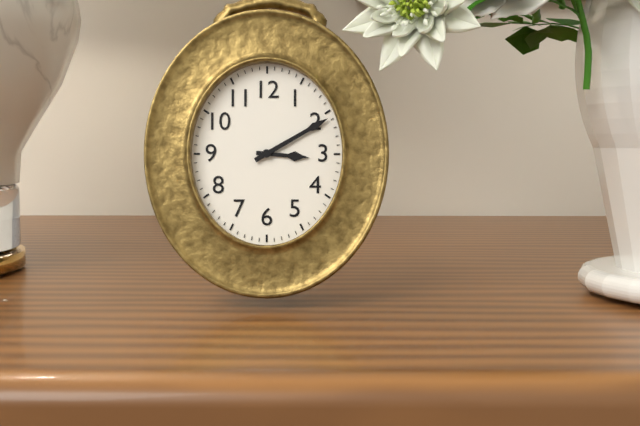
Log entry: 3 h 10 min
